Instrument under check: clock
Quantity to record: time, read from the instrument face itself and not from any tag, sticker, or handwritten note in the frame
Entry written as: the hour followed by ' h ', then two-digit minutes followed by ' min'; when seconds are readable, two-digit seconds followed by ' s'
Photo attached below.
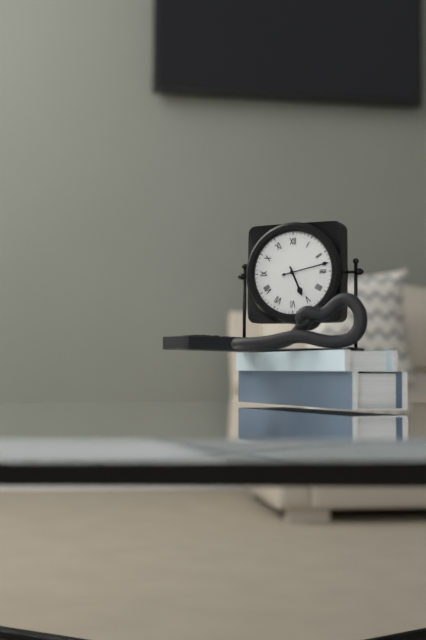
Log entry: 5 h 13 min
